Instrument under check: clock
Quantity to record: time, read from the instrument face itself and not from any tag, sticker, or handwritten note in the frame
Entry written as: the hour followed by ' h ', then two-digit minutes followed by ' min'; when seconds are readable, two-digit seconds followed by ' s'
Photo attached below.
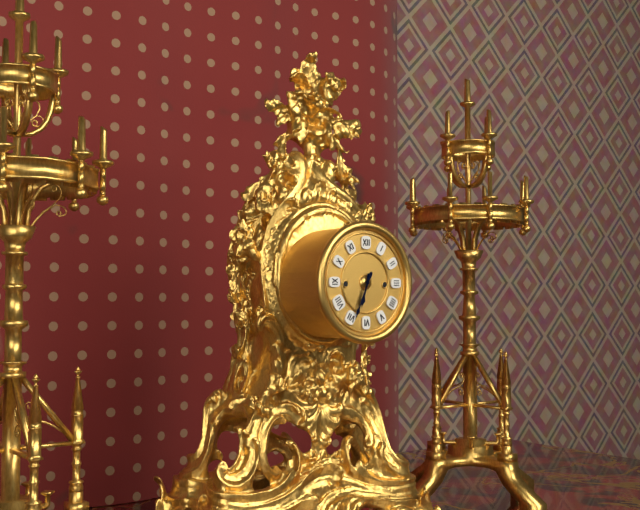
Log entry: 6 h 34 min
